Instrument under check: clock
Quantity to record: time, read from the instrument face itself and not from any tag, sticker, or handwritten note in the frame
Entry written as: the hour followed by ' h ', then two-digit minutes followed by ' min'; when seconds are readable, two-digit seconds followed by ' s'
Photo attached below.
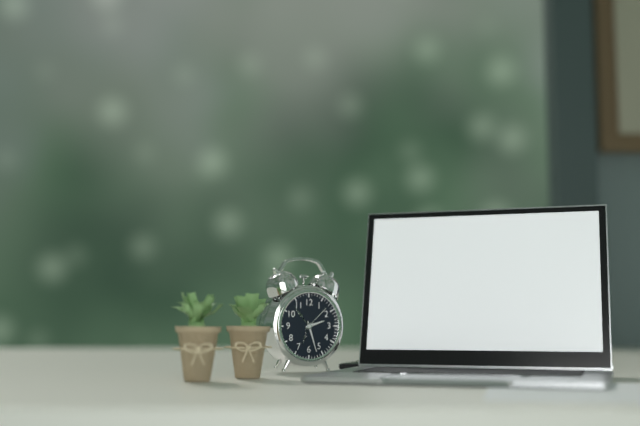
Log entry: 2 h 27 min
